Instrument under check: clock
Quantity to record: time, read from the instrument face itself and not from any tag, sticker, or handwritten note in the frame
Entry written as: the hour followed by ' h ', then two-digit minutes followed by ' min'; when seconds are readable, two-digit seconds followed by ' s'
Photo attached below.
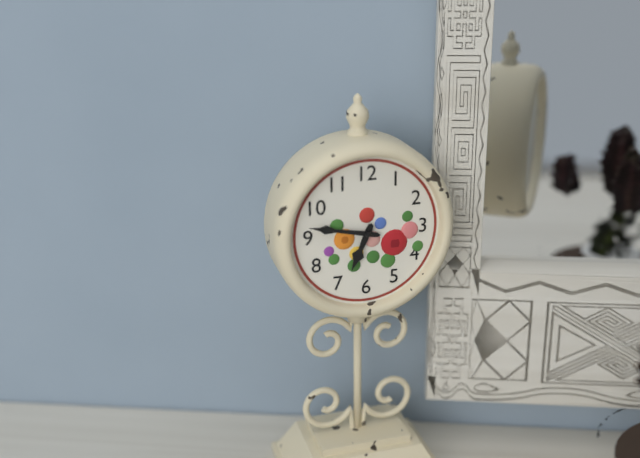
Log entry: 6 h 47 min
